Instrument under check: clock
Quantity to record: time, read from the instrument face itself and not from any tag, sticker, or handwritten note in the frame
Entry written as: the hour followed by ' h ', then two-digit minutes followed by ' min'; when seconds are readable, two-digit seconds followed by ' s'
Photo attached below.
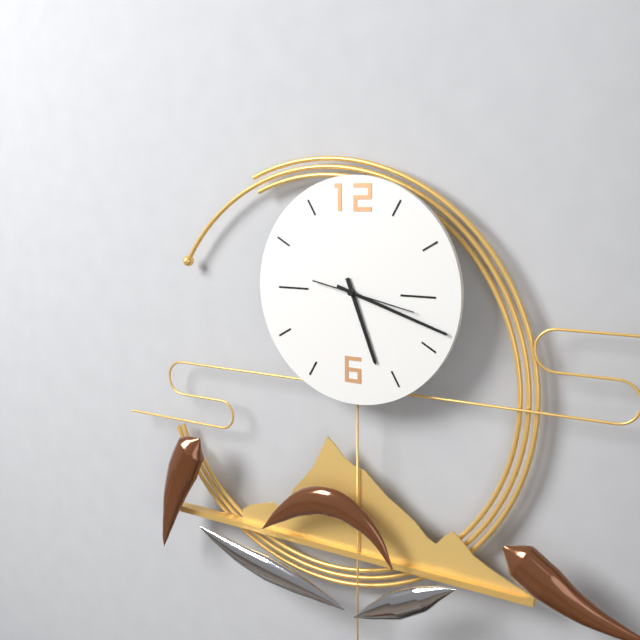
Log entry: 5 h 18 min 17 s
